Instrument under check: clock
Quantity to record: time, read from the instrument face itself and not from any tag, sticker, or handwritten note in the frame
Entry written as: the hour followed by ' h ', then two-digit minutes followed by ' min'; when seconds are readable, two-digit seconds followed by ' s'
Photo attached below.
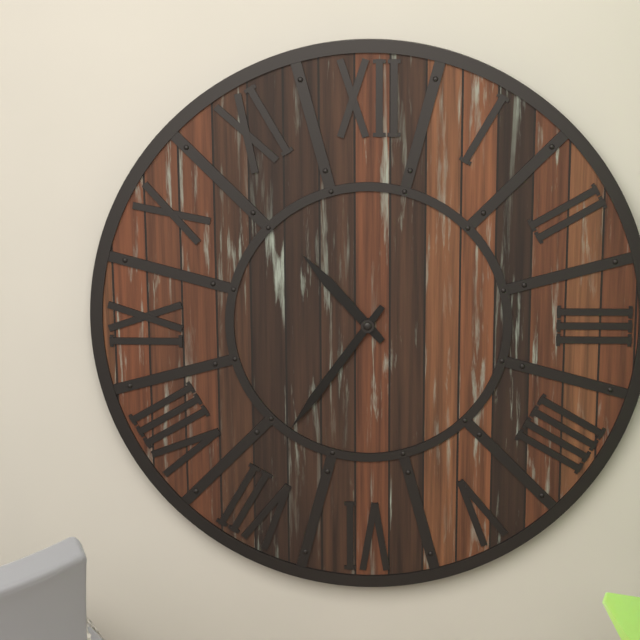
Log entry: 10 h 36 min
